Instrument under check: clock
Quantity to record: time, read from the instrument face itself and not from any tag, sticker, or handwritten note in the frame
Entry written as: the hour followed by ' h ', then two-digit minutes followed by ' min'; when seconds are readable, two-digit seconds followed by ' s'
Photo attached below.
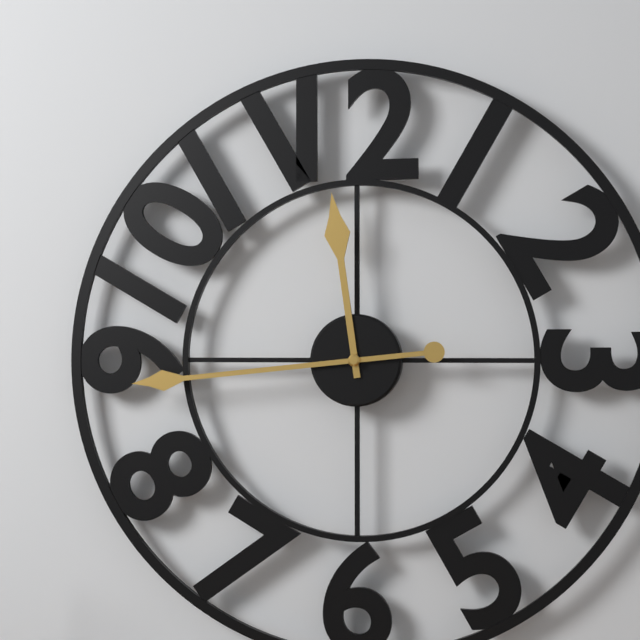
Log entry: 11 h 44 min
